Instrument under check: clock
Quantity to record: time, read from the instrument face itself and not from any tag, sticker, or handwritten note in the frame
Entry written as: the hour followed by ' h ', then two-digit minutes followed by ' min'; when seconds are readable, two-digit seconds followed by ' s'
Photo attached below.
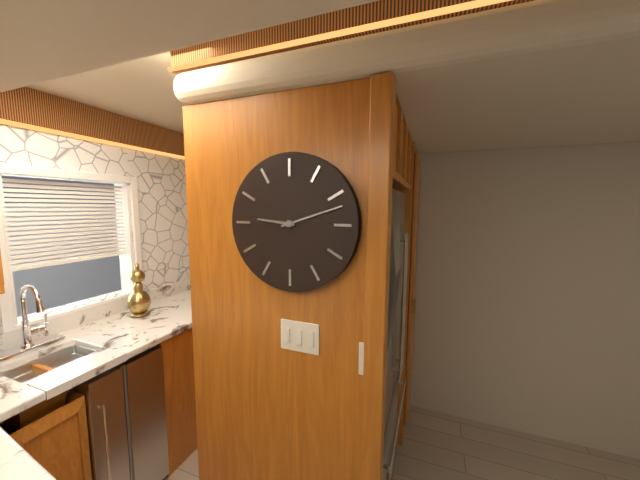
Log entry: 9 h 12 min
